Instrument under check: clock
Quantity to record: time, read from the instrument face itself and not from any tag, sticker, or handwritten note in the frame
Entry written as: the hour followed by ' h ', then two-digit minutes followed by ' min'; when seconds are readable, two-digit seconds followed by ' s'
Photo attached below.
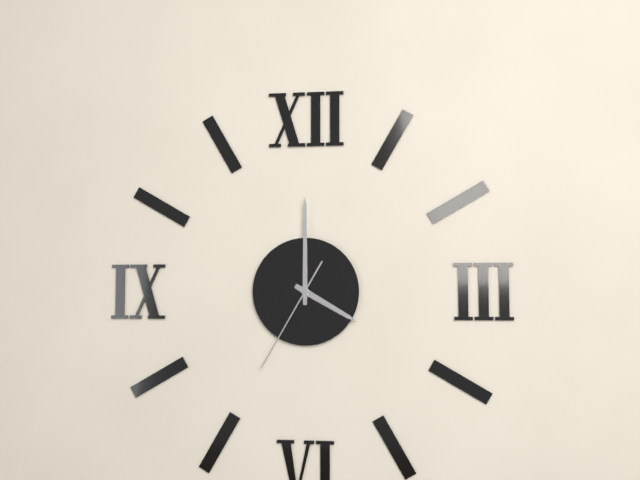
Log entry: 4 h 00 min 35 s
